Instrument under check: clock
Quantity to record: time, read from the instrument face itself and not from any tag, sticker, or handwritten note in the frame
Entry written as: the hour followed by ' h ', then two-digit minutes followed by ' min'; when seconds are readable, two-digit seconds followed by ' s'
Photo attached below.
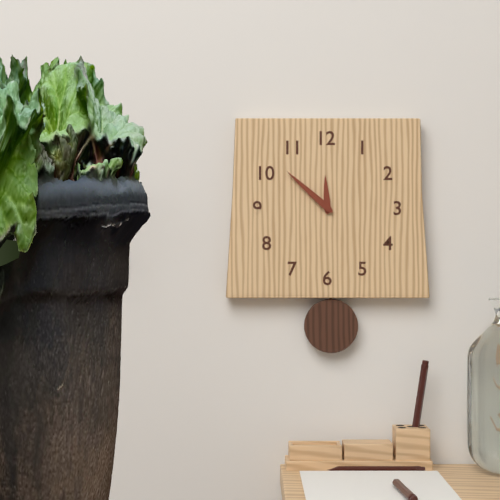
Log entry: 11 h 52 min
